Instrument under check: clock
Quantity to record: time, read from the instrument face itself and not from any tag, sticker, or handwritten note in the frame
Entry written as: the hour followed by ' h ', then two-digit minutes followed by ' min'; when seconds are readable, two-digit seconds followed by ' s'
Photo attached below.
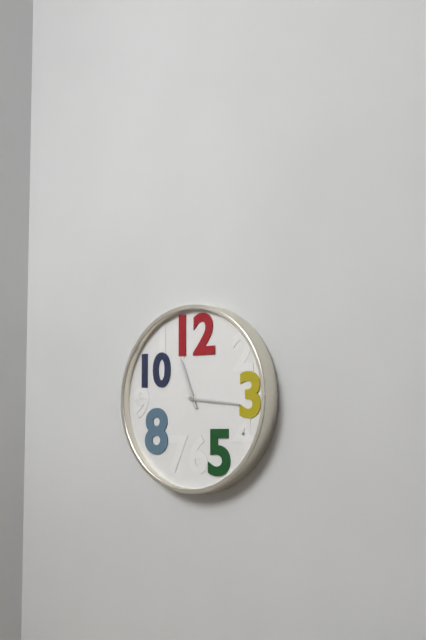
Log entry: 11 h 16 min
